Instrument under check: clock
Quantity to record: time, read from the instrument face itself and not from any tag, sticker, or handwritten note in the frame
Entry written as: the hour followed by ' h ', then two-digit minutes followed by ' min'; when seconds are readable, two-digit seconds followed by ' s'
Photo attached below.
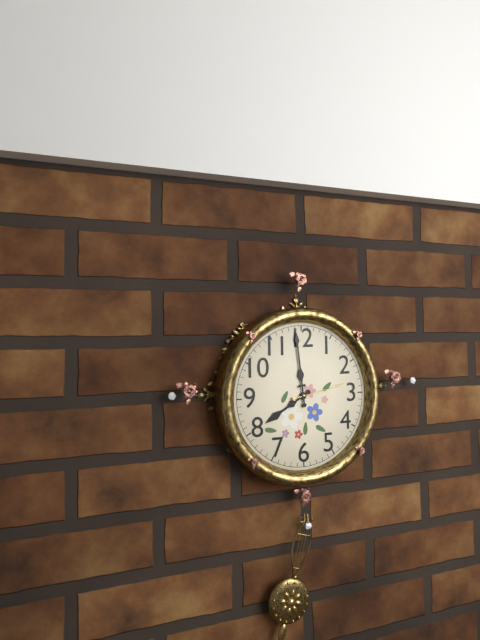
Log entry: 7 h 59 min 13 s
